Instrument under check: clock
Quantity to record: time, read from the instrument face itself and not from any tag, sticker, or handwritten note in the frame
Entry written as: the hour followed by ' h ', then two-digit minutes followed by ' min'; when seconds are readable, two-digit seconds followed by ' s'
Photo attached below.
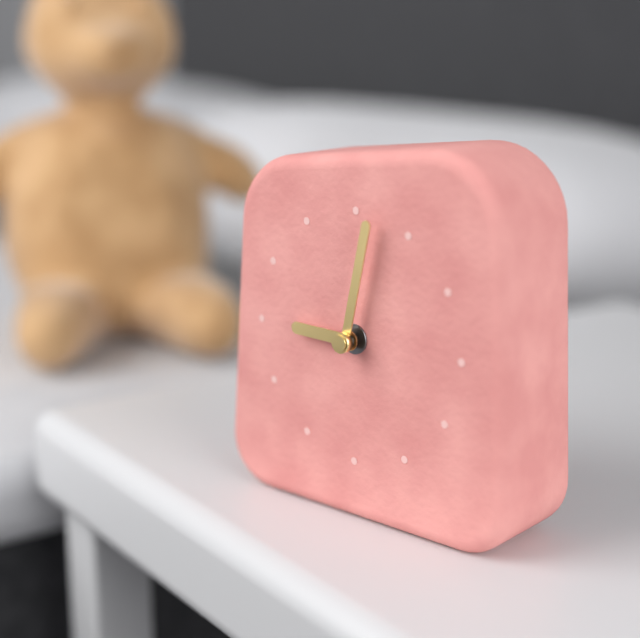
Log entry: 9 h 02 min
